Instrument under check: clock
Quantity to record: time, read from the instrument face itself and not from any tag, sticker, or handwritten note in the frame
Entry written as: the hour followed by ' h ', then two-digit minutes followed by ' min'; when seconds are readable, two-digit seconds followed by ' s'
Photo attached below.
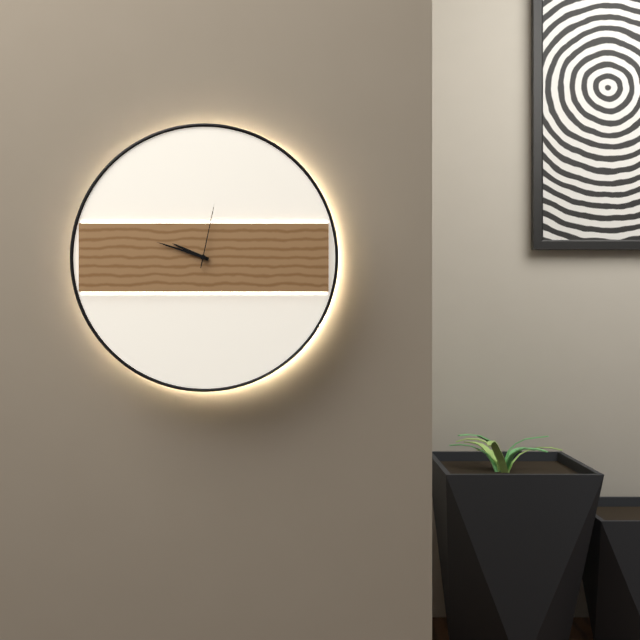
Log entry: 9 h 48 min 02 s
